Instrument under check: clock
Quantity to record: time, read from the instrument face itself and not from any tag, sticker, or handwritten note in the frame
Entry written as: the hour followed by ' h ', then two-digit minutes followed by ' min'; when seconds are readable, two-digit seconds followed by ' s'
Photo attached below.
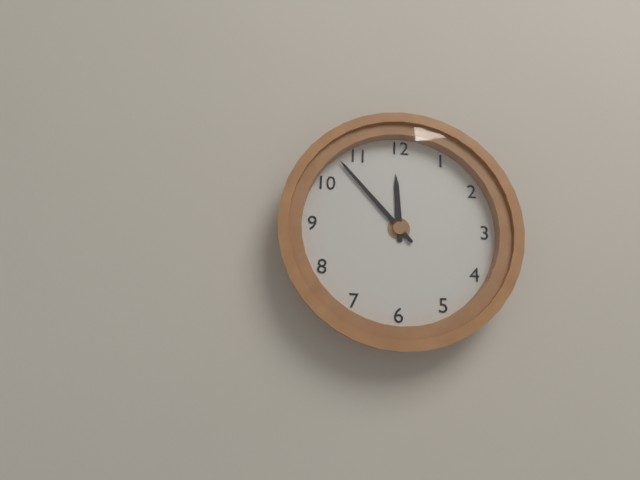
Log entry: 11 h 53 min
